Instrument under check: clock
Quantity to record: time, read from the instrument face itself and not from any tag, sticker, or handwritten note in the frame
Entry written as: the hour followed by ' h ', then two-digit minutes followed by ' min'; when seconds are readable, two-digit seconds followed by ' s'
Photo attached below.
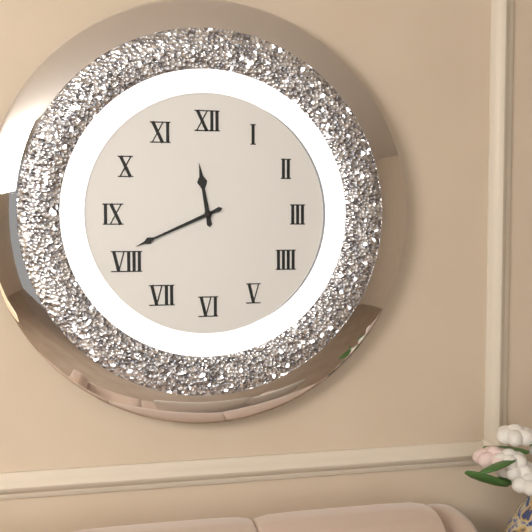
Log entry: 11 h 41 min
